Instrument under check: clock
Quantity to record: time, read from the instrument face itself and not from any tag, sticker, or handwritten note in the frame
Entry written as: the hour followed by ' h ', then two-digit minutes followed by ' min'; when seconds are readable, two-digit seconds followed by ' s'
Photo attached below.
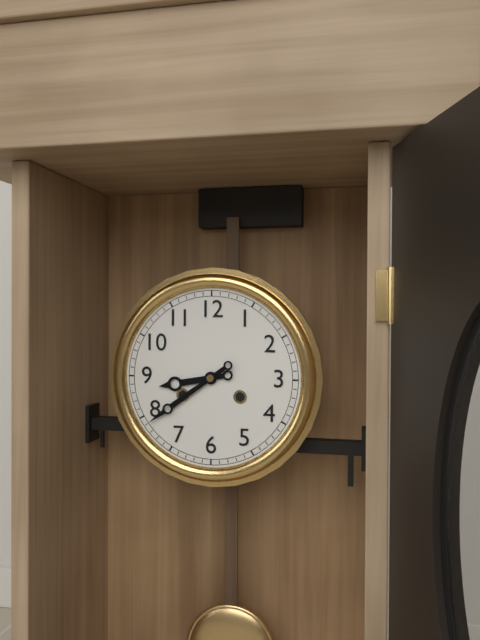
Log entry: 8 h 39 min
